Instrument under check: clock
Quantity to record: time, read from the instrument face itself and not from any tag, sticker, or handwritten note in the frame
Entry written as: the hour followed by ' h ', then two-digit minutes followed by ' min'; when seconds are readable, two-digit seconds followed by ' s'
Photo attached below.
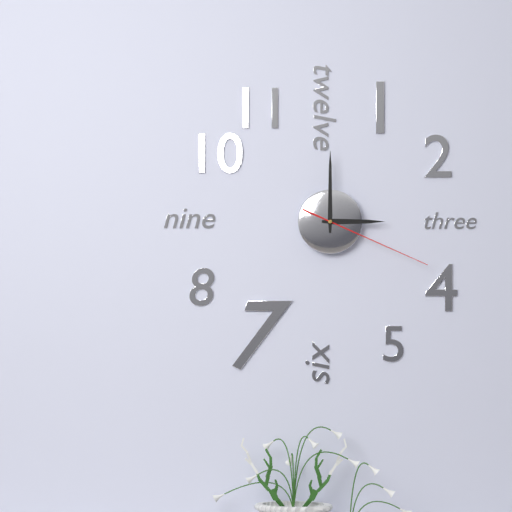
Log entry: 3 h 00 min 19 s
